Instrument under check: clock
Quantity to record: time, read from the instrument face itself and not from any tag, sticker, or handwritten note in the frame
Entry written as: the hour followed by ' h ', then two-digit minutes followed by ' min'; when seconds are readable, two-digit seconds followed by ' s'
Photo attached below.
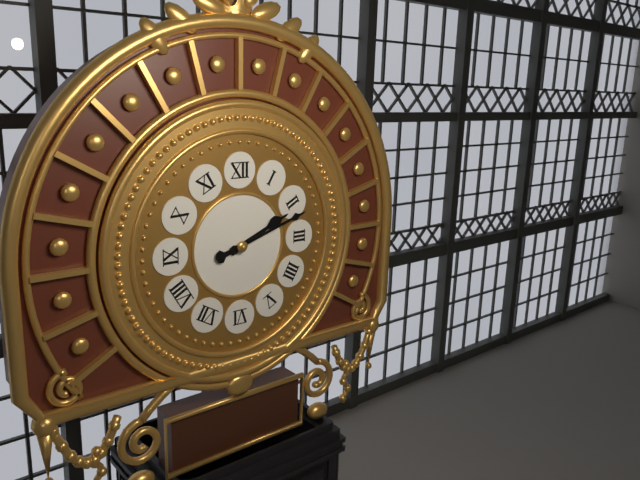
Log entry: 2 h 12 min
